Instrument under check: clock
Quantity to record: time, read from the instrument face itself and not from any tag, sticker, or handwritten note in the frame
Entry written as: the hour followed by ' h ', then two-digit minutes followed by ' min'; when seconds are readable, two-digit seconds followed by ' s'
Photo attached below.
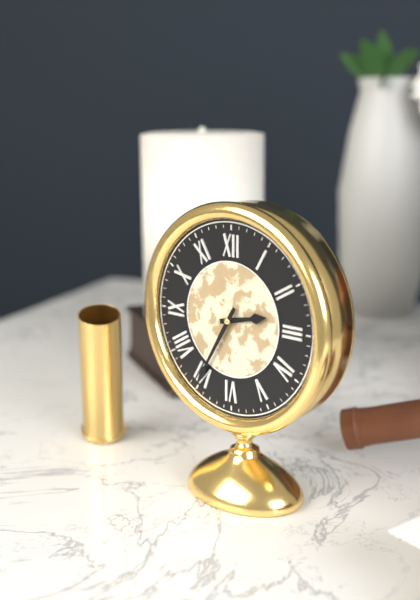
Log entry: 2 h 35 min
